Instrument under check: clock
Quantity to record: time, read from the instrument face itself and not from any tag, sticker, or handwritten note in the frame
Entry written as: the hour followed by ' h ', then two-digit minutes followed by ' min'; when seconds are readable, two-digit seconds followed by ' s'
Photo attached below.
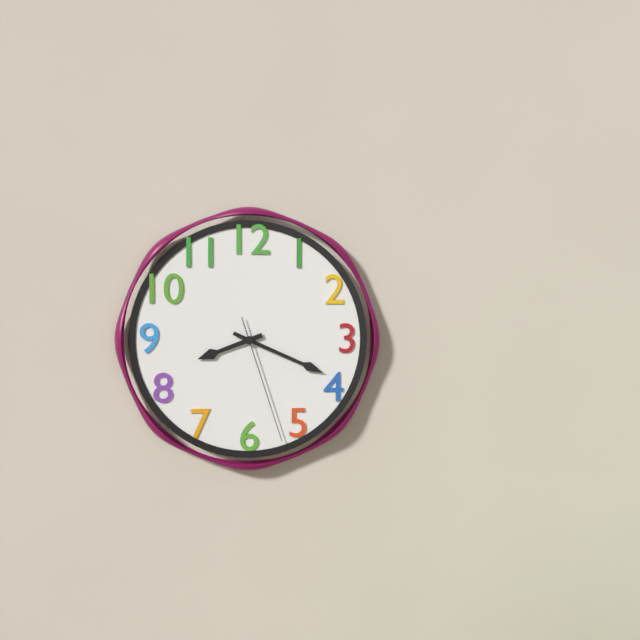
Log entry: 8 h 19 min 27 s
